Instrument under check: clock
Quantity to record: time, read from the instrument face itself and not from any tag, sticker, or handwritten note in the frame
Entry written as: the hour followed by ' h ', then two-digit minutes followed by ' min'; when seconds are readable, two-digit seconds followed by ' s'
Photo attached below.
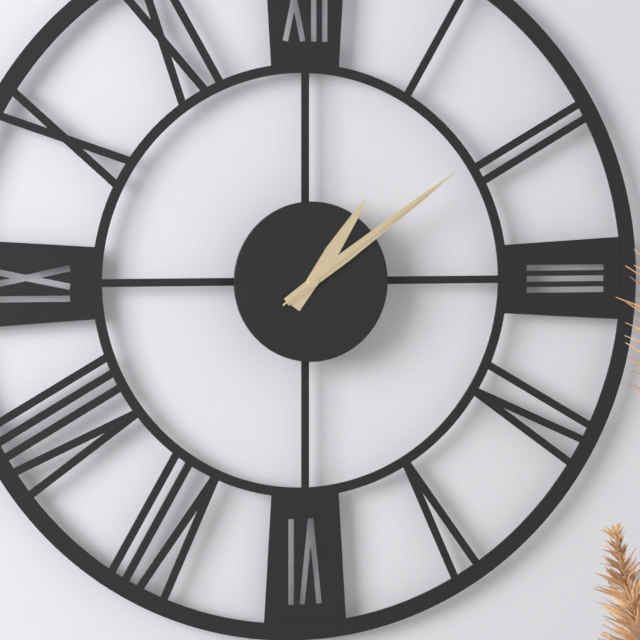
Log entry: 1 h 09 min 09 s
